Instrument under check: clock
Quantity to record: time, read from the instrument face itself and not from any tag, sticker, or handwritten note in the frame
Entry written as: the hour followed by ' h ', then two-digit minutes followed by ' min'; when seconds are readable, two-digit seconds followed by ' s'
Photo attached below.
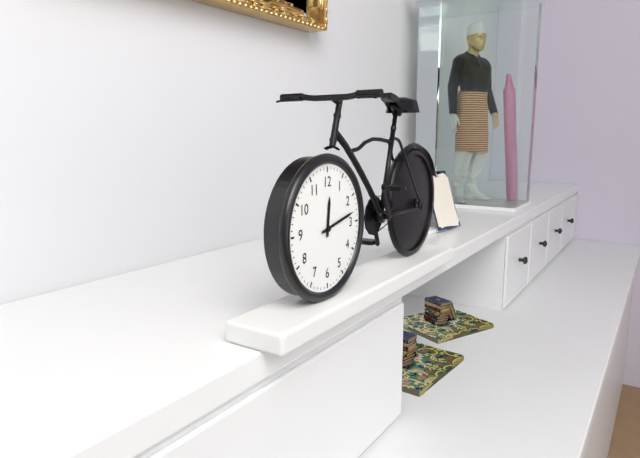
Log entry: 12 h 13 min
